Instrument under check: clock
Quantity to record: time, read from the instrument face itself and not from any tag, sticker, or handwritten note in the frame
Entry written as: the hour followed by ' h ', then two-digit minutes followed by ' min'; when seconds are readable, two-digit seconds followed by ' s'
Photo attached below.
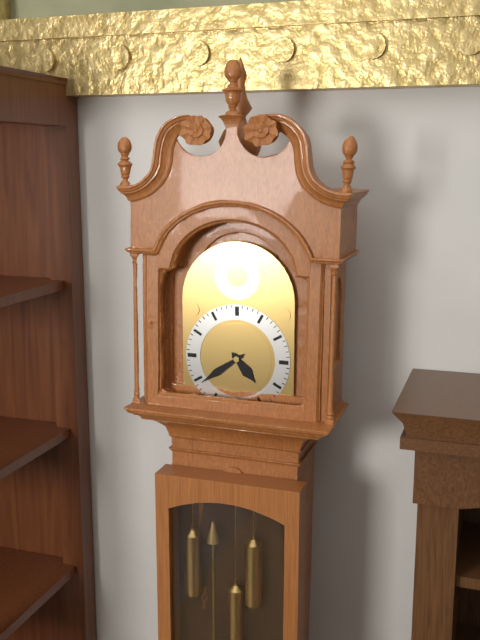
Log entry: 4 h 39 min
